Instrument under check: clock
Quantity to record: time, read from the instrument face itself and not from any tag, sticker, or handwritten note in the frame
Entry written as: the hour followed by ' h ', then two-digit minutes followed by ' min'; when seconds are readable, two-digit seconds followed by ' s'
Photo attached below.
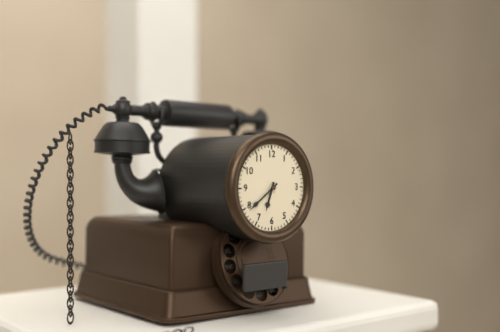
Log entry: 6 h 39 min
